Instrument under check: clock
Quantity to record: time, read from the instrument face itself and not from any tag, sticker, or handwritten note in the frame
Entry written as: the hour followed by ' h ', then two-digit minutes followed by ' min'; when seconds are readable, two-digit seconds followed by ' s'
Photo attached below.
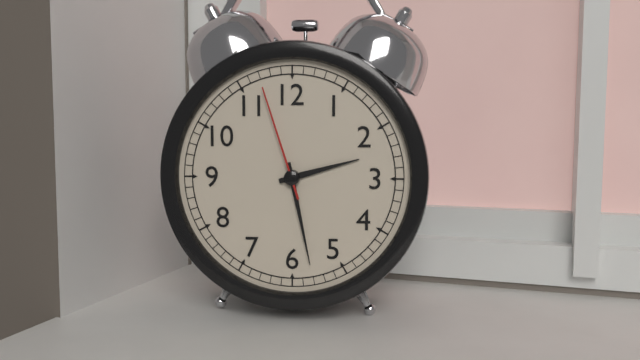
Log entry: 2 h 28 min 57 s
